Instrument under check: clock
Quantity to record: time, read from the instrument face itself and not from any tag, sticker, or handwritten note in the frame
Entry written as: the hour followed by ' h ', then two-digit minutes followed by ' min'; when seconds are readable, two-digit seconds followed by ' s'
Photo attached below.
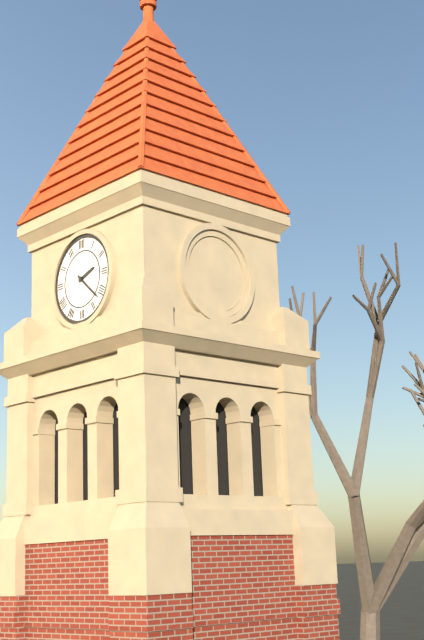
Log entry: 2 h 22 min
